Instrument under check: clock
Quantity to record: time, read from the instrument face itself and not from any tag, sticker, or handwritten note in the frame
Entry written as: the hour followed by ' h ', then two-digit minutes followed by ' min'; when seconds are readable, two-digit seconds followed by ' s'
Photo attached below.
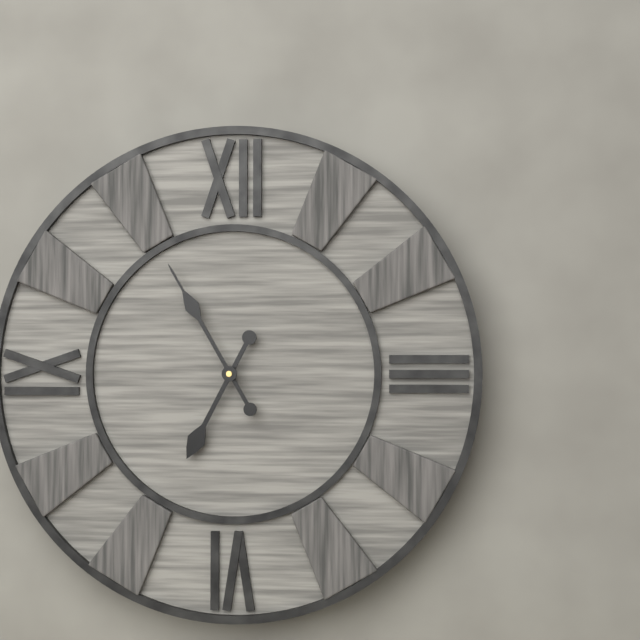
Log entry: 6 h 55 min
